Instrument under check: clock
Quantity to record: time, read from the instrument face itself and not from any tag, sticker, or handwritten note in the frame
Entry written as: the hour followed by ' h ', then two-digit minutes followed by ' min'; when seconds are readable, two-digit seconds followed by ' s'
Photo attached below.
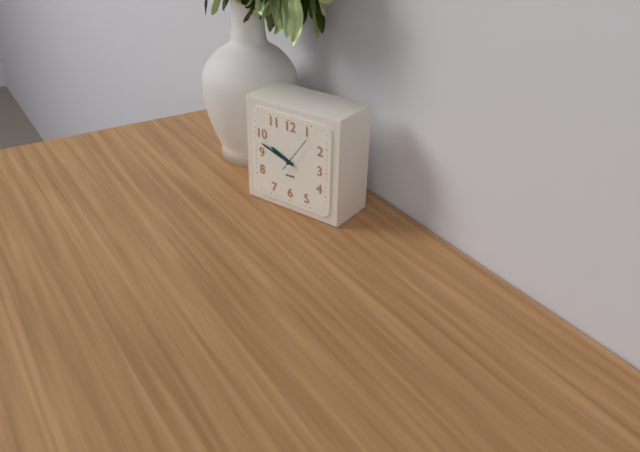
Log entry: 9 h 48 min
